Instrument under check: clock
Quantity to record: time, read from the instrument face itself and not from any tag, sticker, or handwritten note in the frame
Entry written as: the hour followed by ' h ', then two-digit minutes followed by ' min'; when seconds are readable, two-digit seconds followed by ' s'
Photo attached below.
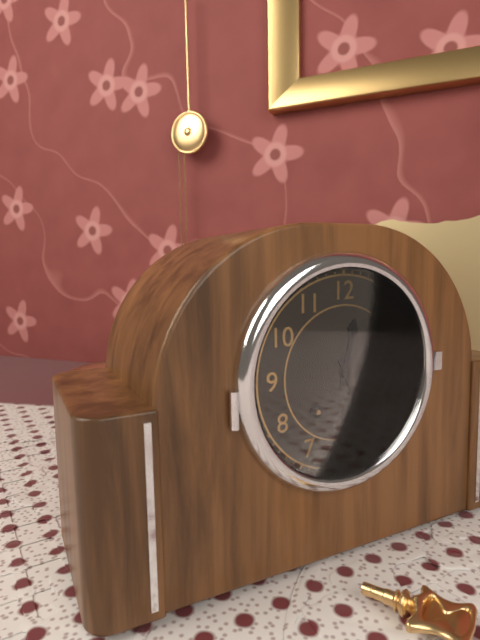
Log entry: 12 h 26 min
